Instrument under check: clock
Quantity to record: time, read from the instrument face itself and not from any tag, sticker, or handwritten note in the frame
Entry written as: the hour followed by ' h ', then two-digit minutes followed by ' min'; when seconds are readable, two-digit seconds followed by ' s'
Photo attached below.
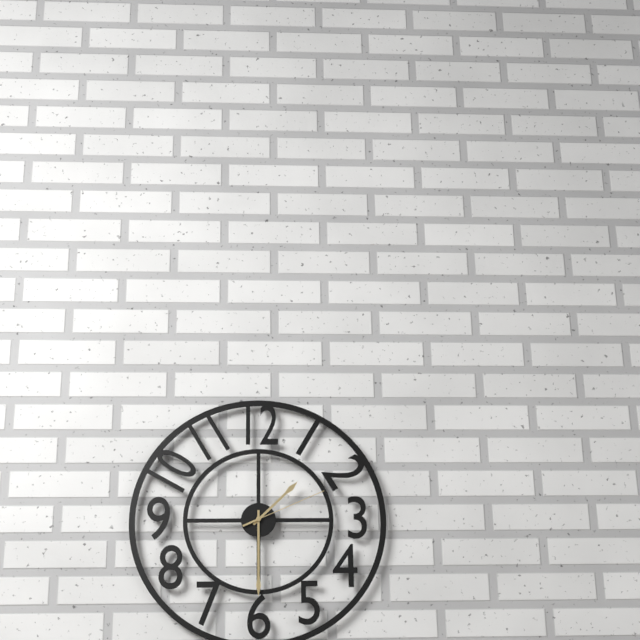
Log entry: 1 h 30 min 11 s
